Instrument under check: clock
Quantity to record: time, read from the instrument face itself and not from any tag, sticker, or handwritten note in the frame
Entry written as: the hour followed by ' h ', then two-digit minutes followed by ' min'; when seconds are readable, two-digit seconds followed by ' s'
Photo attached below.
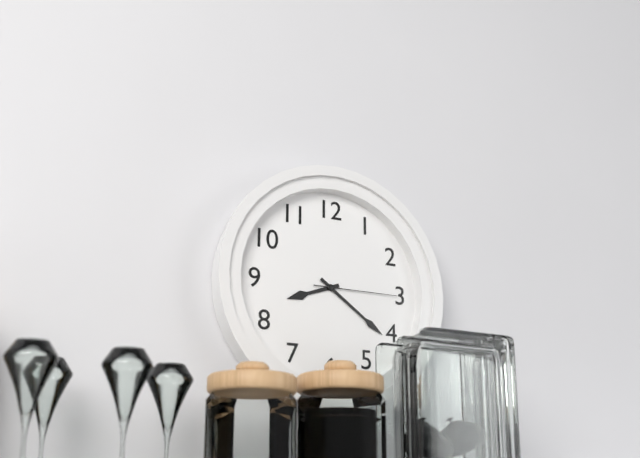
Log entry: 8 h 21 min 15 s
